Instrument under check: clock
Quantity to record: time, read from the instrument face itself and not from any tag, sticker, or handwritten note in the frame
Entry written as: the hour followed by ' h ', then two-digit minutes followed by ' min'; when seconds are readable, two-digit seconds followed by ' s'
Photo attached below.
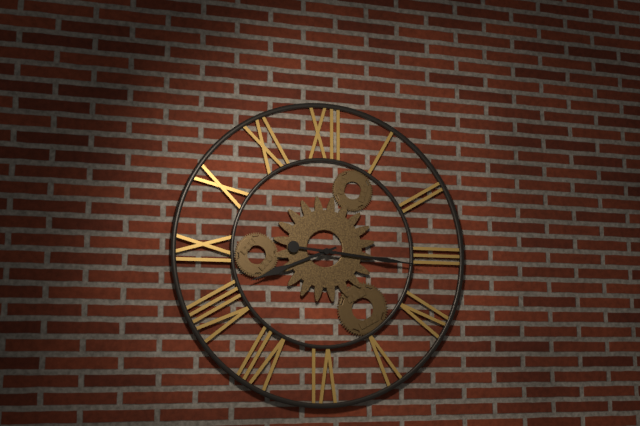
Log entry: 8 h 16 min
